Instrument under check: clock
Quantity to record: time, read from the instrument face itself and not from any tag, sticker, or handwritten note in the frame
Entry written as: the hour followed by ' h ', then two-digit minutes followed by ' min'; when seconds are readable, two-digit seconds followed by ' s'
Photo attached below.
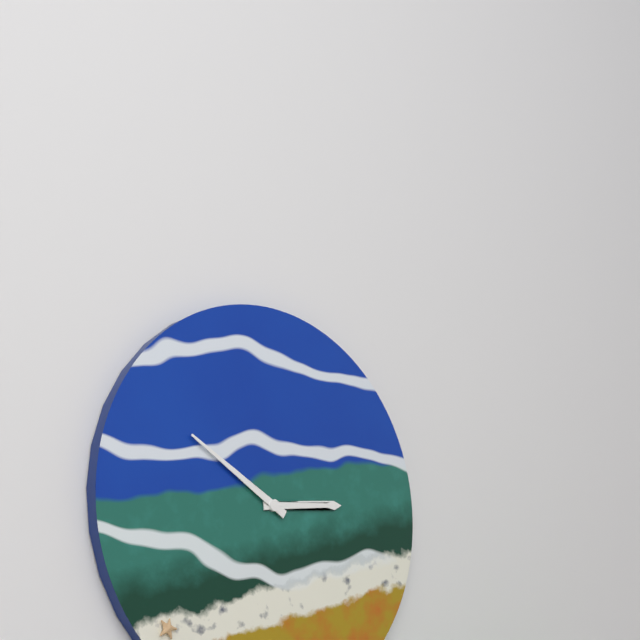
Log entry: 2 h 50 min
